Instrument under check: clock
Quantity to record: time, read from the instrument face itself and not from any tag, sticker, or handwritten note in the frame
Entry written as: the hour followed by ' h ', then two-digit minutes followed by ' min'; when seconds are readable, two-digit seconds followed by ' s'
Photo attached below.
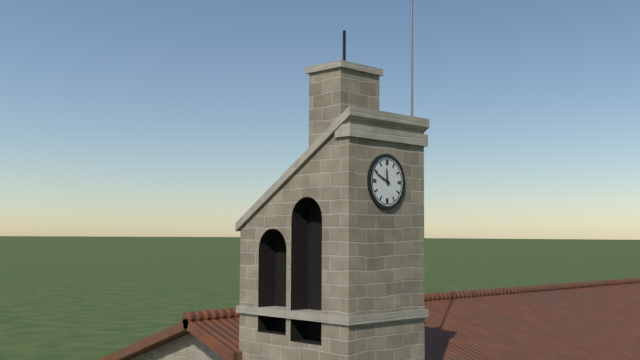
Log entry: 11 h 49 min
